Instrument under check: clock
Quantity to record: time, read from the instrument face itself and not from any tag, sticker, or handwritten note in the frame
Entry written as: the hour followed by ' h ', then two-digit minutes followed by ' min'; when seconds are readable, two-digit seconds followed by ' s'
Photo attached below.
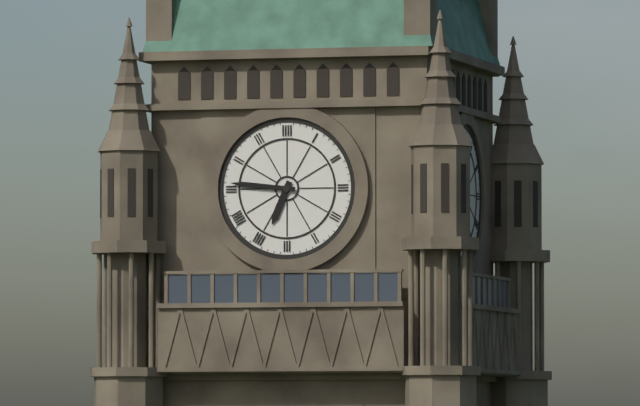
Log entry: 6 h 46 min
